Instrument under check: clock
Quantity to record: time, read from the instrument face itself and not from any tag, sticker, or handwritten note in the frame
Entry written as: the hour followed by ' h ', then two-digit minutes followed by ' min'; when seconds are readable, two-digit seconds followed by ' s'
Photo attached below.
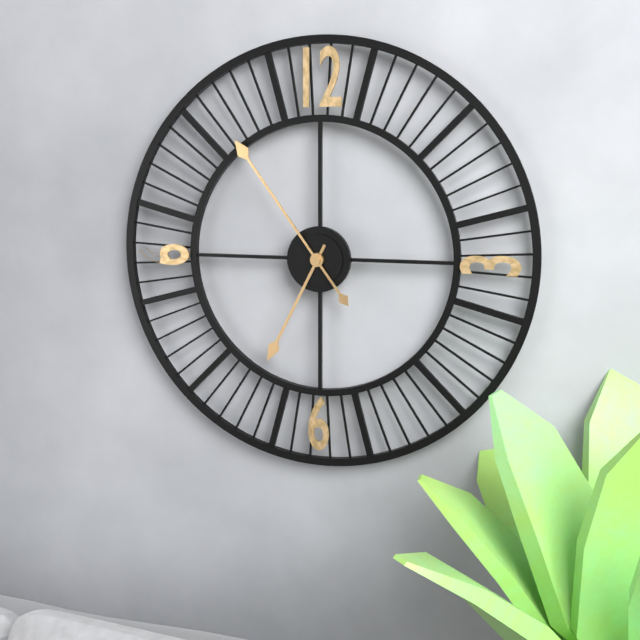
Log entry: 6 h 54 min
